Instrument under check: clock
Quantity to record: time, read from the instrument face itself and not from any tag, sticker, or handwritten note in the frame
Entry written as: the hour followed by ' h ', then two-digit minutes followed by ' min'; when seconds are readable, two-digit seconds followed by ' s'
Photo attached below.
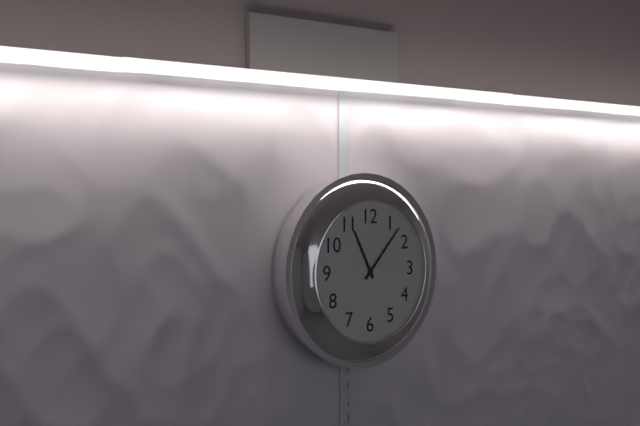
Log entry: 11 h 07 min
